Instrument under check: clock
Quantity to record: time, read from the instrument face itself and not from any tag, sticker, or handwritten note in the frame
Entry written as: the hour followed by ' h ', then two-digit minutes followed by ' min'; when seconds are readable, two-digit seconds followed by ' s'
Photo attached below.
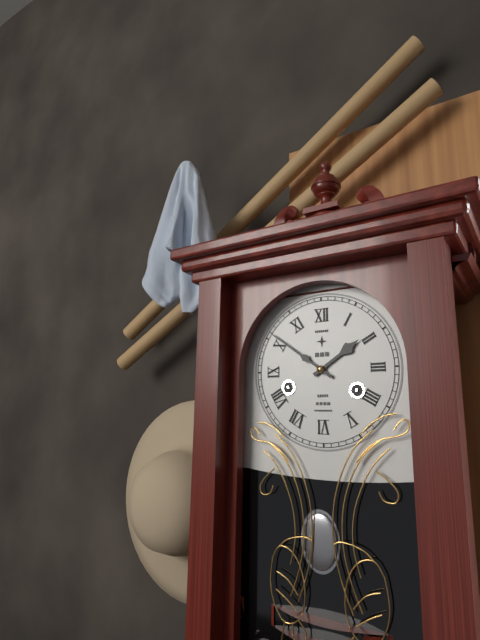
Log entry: 1 h 51 min
